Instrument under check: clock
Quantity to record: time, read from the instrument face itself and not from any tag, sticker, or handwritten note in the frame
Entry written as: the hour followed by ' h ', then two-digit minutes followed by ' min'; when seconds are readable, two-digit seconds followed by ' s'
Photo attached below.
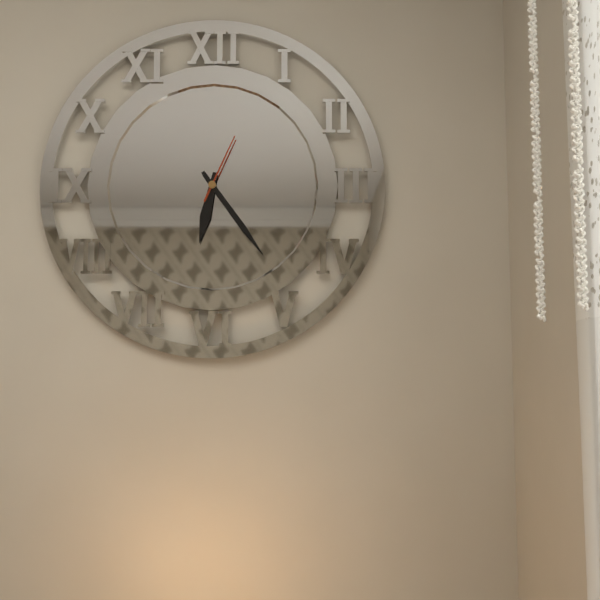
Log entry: 6 h 24 min 04 s
